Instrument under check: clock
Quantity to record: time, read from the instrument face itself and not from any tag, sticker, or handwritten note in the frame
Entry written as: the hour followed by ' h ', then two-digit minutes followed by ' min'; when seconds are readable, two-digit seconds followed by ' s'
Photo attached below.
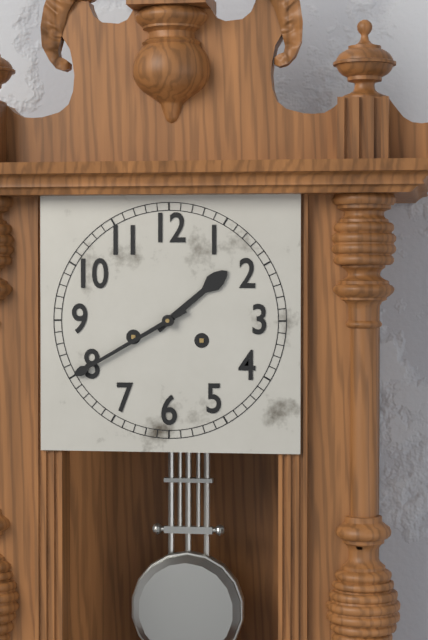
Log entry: 1 h 40 min
